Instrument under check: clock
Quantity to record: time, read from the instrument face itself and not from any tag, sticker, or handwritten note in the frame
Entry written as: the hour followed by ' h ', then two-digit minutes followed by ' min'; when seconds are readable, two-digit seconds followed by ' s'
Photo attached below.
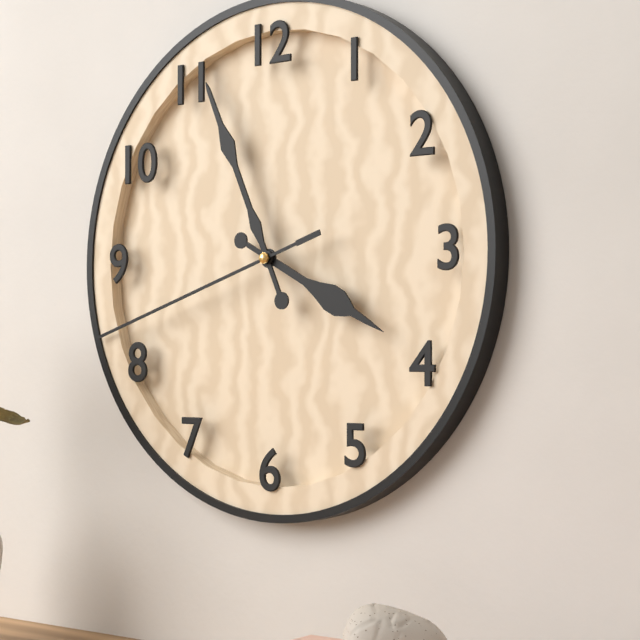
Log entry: 3 h 56 min 42 s
